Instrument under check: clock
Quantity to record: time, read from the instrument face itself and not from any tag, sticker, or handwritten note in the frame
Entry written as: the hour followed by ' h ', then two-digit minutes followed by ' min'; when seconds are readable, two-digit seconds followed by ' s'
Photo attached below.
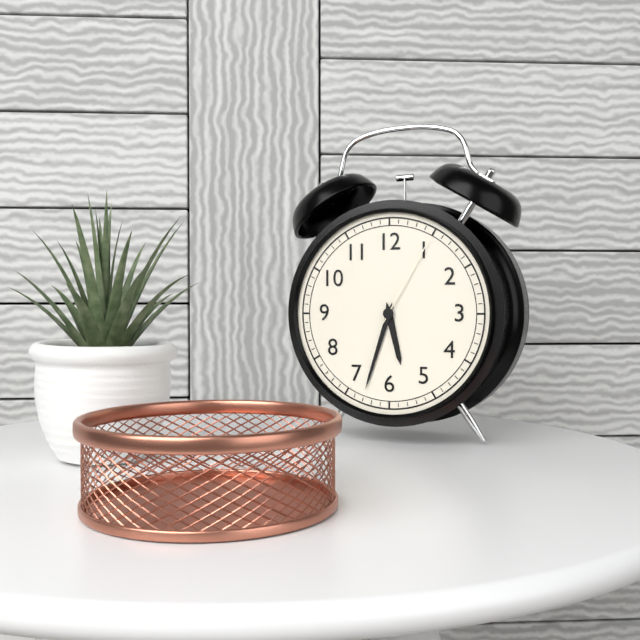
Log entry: 5 h 33 min 05 s
